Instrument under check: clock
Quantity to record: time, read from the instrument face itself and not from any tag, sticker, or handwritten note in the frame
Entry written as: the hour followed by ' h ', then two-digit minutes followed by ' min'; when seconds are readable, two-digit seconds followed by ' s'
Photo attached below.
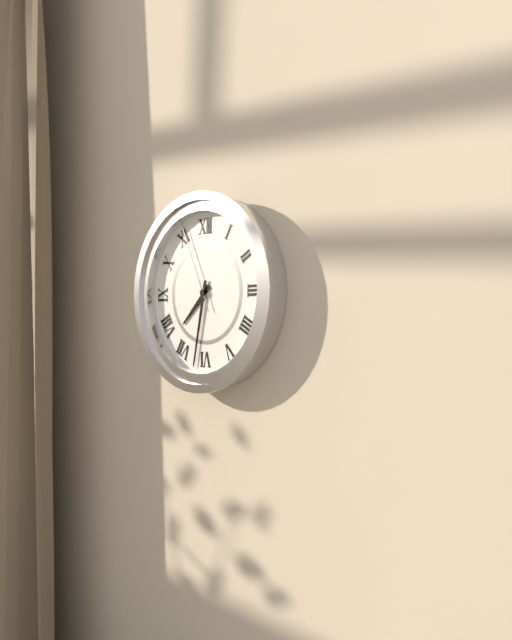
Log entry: 7 h 32 min 56 s
